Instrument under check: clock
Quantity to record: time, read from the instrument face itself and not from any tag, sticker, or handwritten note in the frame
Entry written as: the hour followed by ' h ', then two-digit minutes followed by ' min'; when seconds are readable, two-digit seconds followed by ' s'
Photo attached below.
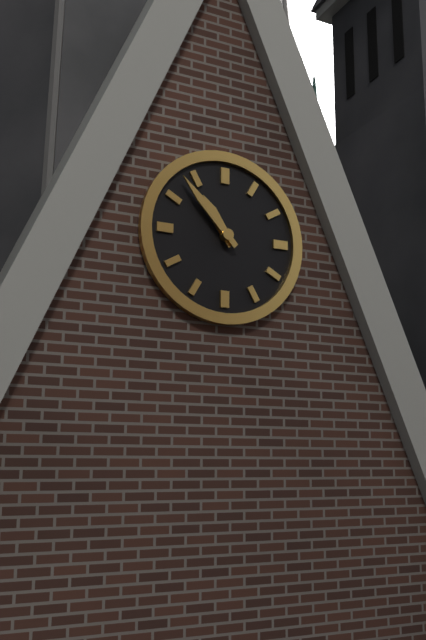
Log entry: 10 h 53 min
